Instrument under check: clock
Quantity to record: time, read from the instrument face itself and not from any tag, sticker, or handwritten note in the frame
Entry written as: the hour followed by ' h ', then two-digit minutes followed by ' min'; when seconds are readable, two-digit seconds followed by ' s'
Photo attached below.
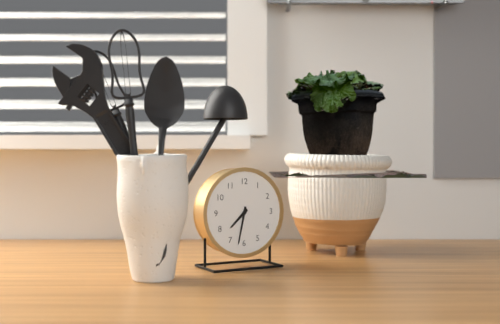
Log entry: 7 h 32 min
